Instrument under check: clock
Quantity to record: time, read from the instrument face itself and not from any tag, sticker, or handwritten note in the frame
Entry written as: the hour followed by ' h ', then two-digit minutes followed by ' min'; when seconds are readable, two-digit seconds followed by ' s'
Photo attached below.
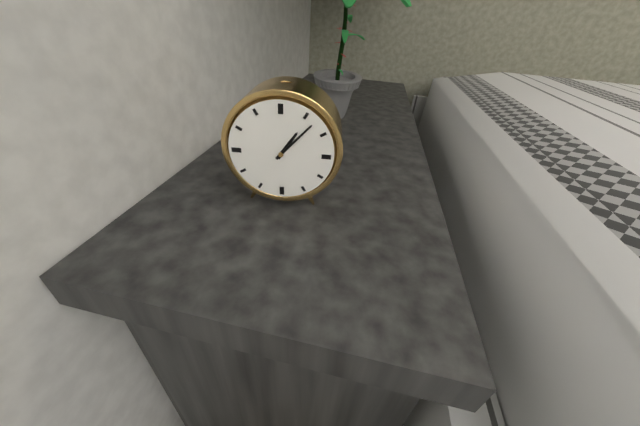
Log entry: 1 h 07 min
